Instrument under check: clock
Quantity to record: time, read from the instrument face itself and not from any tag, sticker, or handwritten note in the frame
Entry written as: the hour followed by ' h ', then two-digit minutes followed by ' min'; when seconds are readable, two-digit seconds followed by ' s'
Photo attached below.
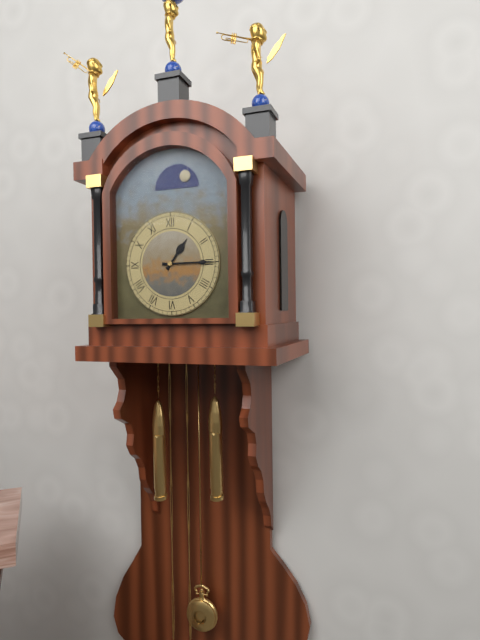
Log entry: 1 h 15 min
